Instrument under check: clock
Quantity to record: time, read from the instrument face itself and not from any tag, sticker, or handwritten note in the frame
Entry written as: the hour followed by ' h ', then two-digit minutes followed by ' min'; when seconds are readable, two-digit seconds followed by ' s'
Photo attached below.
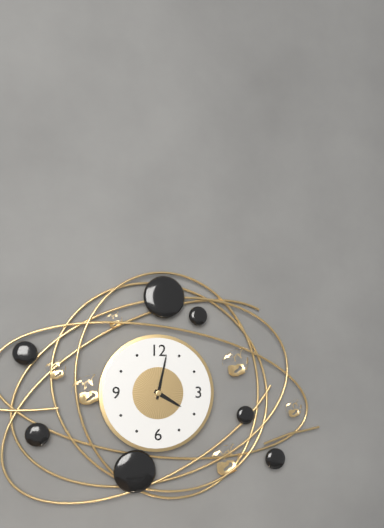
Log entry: 4 h 02 min
